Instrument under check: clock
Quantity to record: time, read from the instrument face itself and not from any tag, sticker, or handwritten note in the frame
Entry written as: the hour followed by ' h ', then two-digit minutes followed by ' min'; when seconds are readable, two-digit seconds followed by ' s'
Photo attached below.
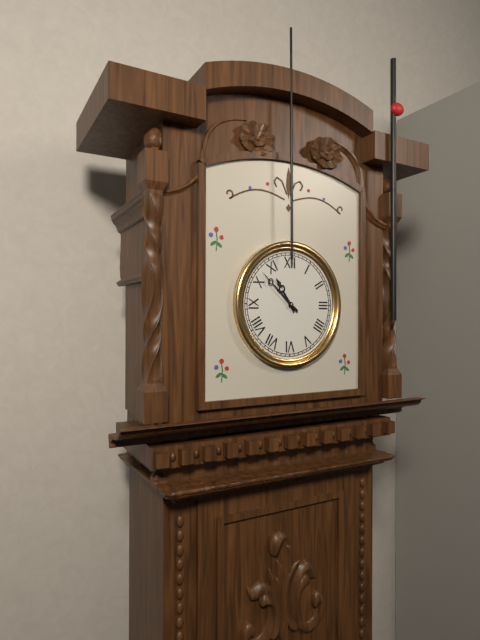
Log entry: 10 h 52 min
